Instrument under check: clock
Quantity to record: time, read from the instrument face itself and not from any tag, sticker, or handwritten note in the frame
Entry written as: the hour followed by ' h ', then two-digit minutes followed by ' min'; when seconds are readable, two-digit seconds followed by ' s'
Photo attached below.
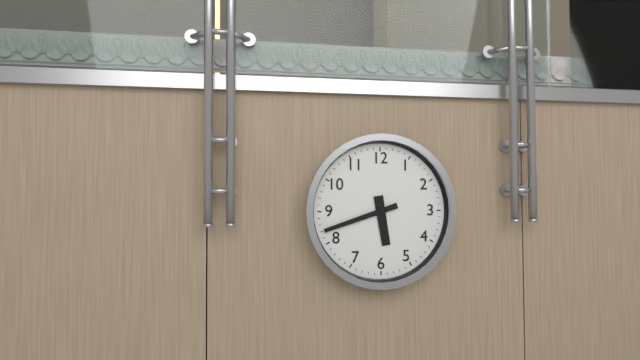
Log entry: 5 h 42 min
